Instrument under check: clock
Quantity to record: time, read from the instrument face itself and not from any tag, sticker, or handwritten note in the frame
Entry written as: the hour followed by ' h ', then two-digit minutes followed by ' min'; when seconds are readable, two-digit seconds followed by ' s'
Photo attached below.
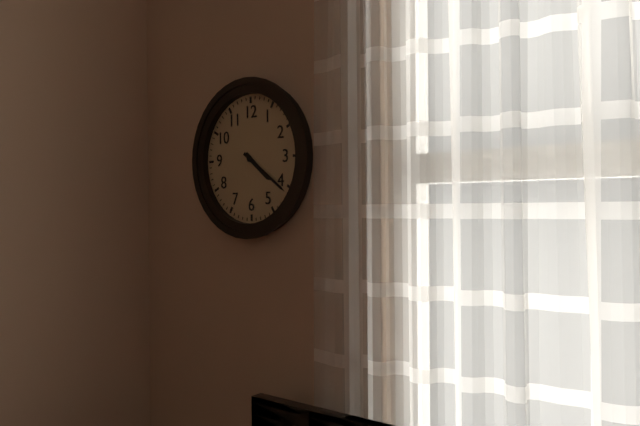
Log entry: 4 h 21 min
